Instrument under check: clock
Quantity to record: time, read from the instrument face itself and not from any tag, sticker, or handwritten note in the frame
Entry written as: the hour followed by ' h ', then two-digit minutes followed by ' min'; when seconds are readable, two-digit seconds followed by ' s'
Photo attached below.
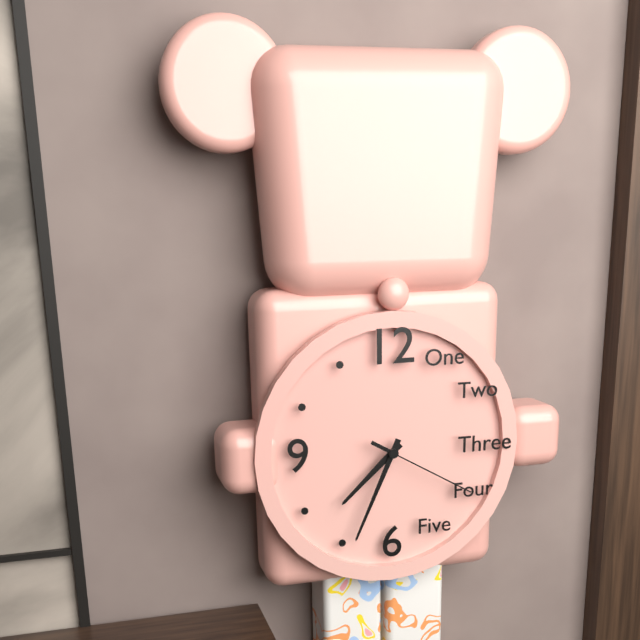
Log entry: 7 h 34 min 20 s
